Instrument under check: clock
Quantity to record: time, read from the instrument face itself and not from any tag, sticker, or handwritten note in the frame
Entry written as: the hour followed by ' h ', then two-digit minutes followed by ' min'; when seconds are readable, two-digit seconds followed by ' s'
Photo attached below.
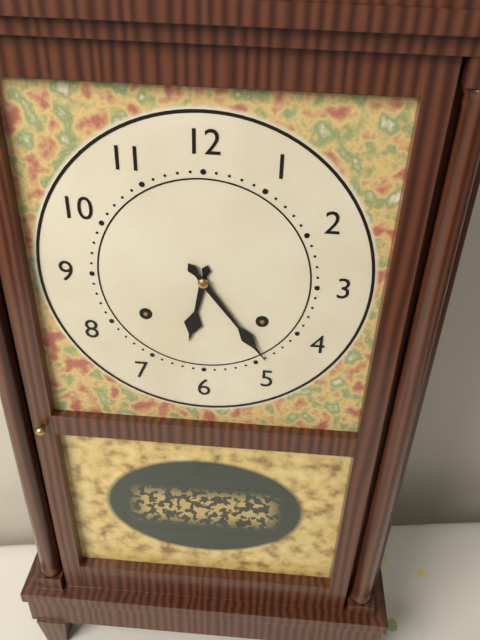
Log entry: 6 h 24 min
